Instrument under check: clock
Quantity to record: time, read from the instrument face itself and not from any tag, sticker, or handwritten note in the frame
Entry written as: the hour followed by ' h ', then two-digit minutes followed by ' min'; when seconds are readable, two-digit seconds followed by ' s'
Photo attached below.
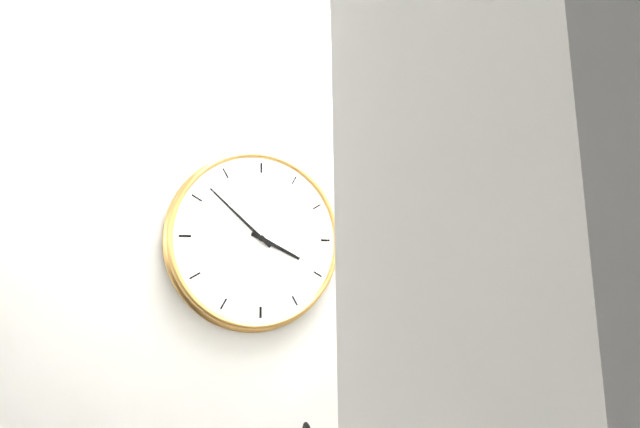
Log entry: 3 h 52 min
